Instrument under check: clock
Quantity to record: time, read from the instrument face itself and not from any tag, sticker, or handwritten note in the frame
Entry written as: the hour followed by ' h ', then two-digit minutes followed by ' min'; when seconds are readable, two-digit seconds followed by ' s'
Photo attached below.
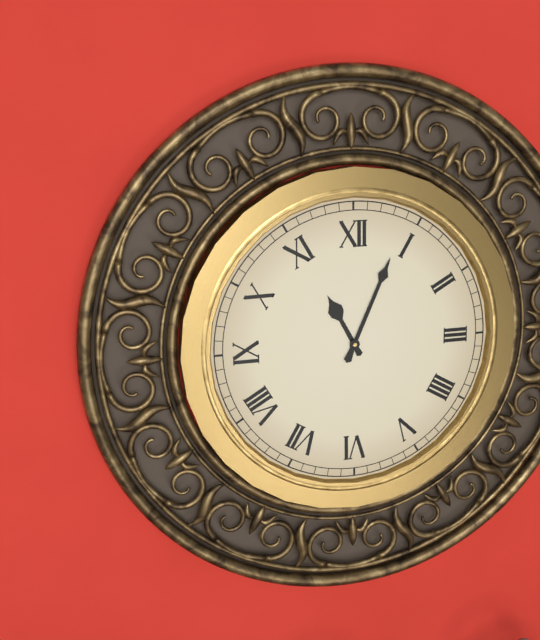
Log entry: 11 h 04 min
